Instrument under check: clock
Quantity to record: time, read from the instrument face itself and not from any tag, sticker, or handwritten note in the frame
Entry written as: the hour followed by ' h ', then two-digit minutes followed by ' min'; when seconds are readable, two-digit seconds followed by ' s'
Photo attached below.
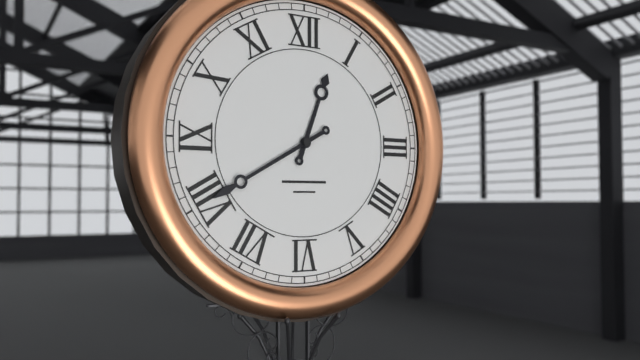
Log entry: 12 h 40 min
